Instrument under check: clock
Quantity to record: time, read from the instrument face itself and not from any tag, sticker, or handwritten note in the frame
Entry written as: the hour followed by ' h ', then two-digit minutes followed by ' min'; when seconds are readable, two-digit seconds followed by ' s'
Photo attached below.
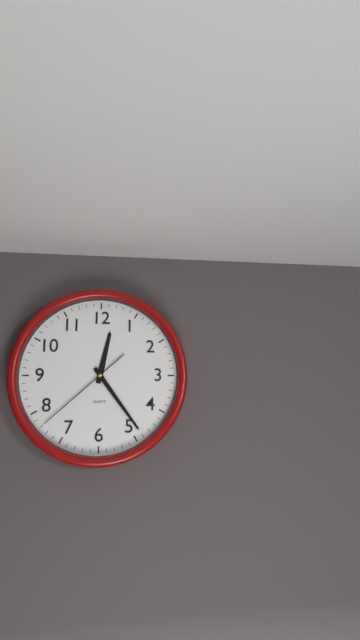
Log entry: 12 h 24 min 38 s
